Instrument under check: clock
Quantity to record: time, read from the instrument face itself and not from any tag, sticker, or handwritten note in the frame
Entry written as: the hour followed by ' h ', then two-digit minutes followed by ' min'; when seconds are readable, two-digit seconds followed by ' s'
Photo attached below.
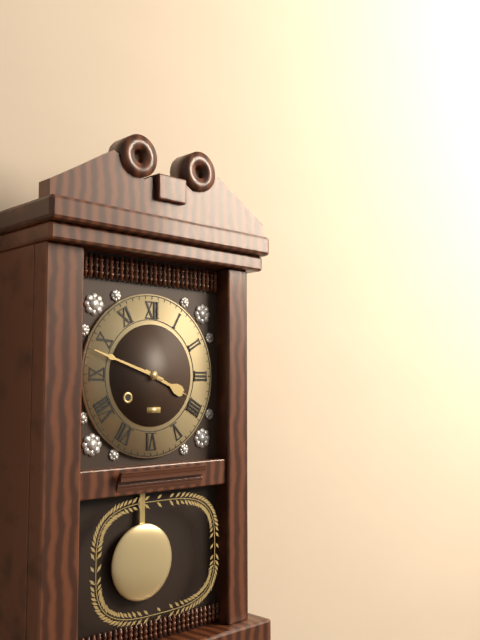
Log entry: 3 h 48 min
